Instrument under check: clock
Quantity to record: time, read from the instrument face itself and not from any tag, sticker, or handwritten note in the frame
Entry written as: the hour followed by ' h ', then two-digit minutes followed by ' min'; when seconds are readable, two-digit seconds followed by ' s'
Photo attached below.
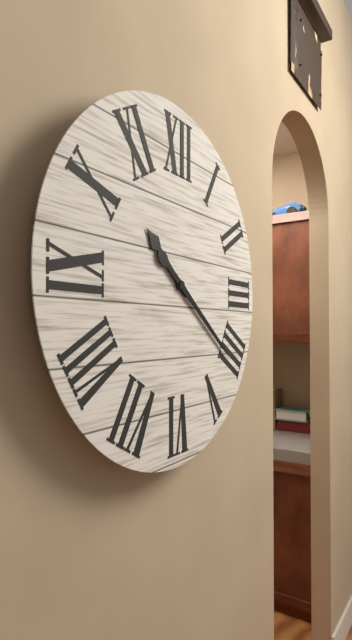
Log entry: 10 h 21 min
